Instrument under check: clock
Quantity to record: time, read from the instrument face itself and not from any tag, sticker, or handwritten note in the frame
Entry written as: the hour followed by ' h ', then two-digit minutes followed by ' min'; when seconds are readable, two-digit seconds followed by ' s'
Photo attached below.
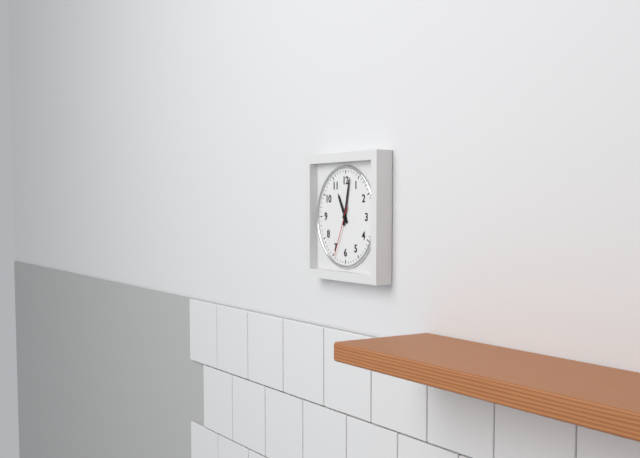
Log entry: 11 h 02 min 34 s
